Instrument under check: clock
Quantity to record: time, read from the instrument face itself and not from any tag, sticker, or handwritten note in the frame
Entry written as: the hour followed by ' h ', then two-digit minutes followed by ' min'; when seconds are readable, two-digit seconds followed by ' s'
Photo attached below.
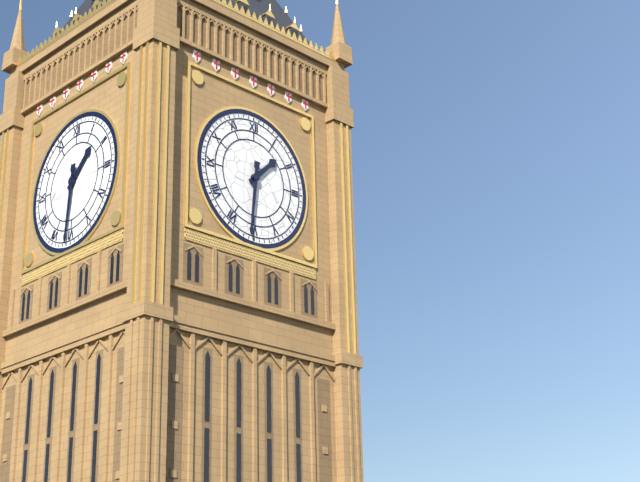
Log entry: 1 h 31 min
